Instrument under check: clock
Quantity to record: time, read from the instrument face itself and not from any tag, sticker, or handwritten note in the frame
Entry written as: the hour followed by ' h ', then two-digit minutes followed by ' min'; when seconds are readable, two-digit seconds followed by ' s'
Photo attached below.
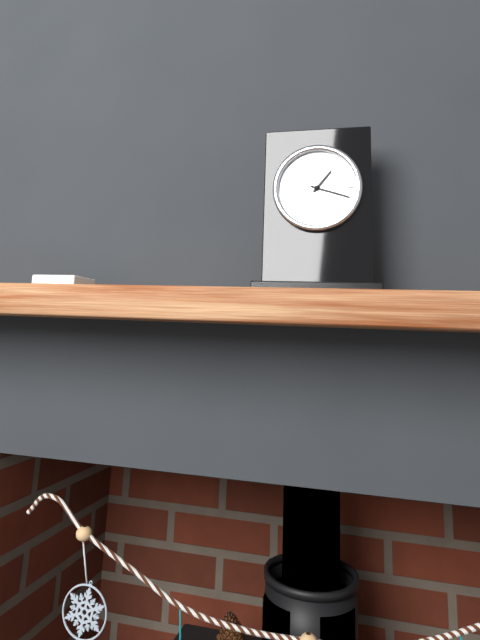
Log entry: 1 h 18 min
